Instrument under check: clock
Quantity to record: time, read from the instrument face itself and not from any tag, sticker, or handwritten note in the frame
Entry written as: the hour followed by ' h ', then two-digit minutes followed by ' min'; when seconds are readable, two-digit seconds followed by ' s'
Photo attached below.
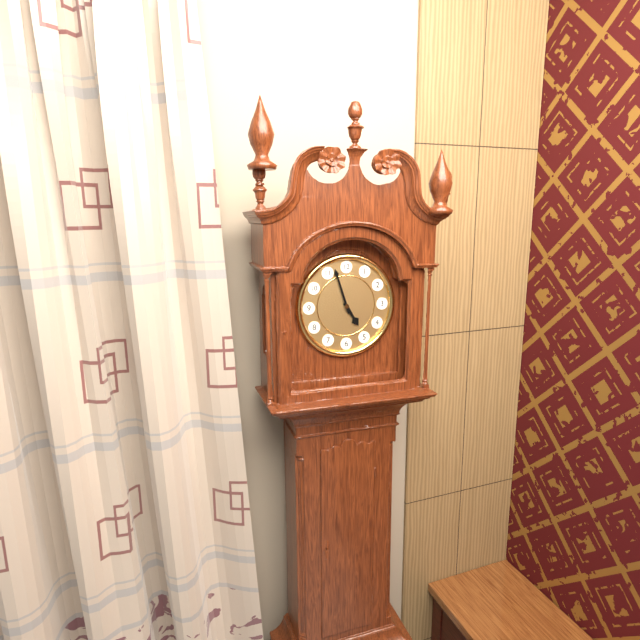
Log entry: 4 h 57 min
